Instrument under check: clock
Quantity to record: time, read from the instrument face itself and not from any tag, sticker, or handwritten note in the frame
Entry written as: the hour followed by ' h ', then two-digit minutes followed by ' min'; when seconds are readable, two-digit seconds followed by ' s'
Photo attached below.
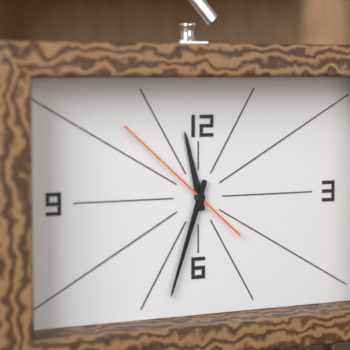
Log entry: 11 h 33 min 52 s
